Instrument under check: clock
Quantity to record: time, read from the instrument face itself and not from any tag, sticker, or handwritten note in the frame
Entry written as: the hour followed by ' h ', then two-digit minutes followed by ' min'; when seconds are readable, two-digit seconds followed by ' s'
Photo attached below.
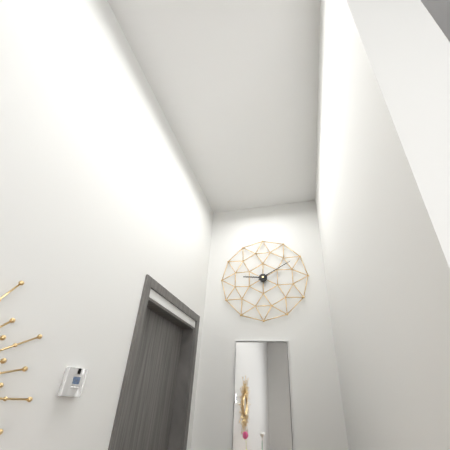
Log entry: 9 h 10 min
